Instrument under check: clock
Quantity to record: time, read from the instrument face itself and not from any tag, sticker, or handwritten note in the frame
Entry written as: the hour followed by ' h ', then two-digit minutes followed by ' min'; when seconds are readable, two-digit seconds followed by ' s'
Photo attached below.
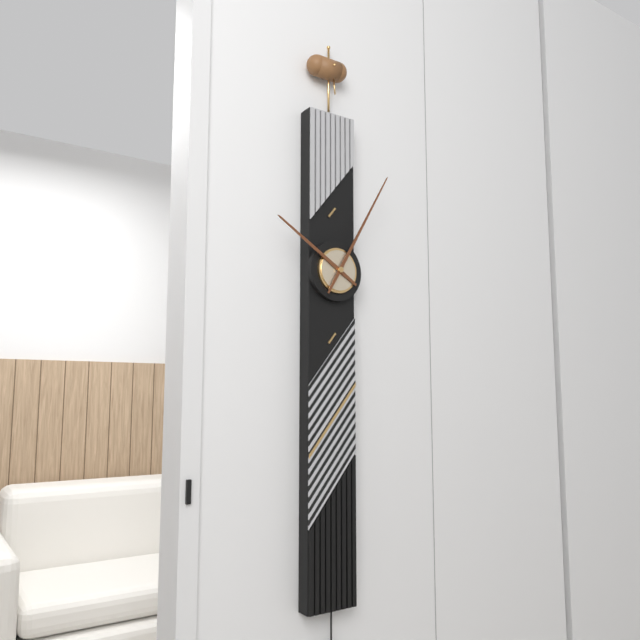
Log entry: 10 h 05 min
